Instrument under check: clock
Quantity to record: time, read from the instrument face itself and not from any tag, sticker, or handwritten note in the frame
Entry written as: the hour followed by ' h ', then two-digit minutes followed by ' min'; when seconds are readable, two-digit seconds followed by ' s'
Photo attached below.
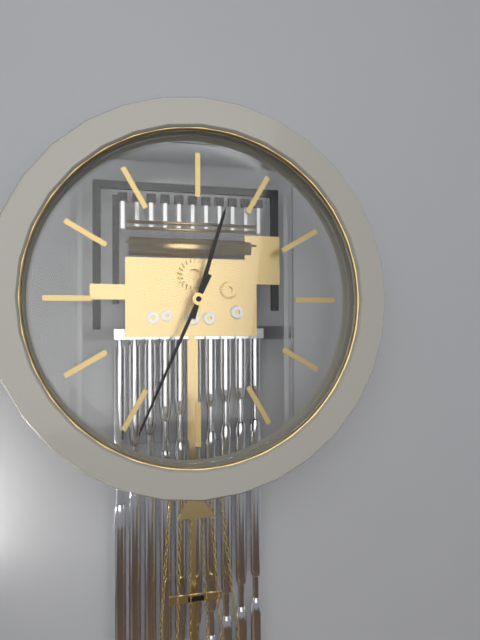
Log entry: 12 h 34 min
